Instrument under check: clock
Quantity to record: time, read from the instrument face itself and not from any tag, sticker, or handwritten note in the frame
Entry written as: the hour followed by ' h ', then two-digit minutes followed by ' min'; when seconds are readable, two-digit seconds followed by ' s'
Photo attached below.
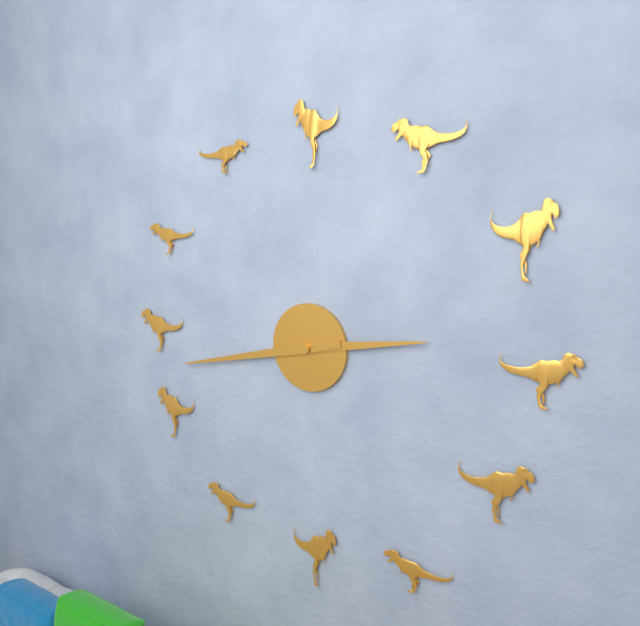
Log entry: 2 h 43 min
